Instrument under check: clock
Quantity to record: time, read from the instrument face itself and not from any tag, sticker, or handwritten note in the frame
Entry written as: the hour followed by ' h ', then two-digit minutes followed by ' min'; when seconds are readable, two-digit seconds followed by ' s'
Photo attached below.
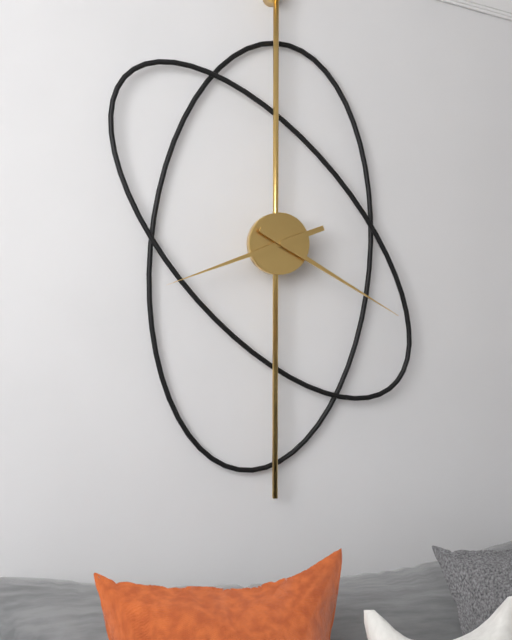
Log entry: 8 h 20 min
